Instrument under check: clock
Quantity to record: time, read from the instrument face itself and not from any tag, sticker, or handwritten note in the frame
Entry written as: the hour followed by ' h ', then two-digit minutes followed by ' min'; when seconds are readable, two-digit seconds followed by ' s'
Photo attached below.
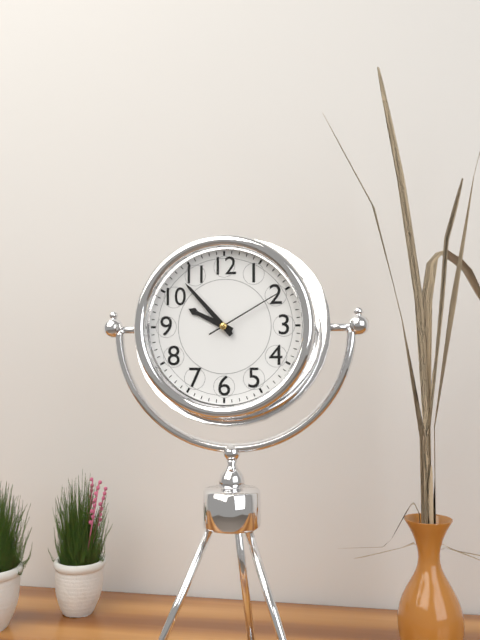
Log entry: 9 h 53 min 10 s
